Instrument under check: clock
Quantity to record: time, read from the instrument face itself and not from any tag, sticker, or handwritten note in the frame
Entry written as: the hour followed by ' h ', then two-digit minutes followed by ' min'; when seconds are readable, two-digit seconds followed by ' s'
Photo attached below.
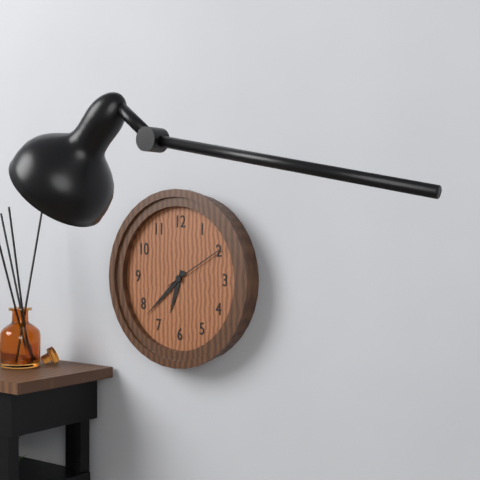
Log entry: 6 h 38 min 10 s
